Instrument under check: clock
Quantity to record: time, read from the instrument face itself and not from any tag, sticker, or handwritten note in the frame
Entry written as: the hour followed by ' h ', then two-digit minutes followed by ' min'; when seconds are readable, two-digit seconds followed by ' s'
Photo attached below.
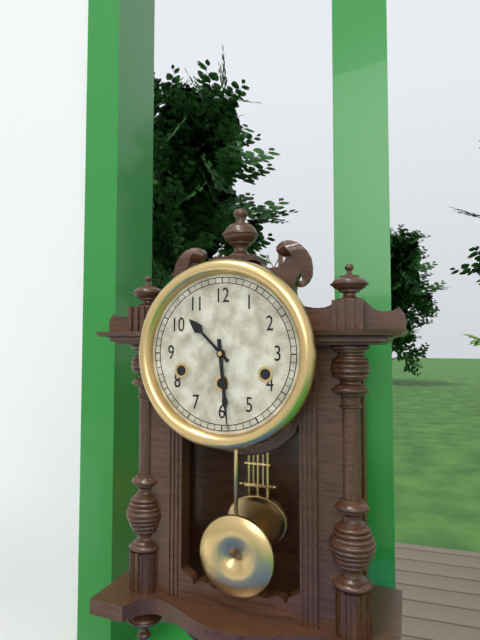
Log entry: 10 h 29 min
